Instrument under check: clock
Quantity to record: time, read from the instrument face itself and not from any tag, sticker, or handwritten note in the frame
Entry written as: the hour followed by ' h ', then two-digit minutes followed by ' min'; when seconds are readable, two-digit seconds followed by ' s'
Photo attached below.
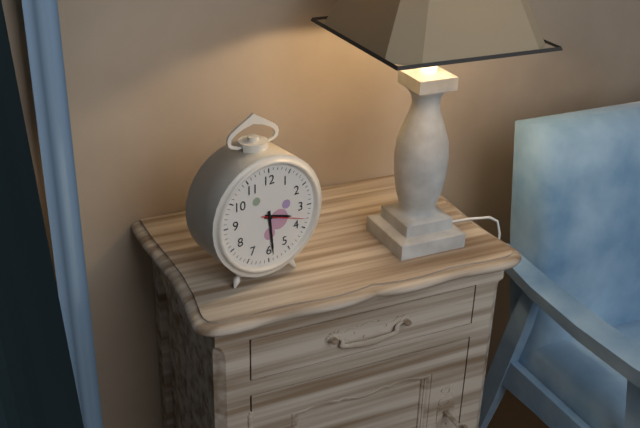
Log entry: 3 h 29 min
